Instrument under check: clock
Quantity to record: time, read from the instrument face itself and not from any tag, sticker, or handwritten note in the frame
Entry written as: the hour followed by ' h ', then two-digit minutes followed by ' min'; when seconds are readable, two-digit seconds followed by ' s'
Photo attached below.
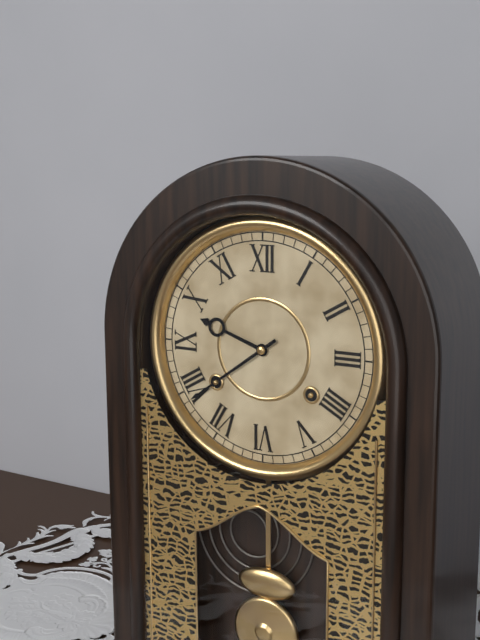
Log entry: 9 h 39 min
